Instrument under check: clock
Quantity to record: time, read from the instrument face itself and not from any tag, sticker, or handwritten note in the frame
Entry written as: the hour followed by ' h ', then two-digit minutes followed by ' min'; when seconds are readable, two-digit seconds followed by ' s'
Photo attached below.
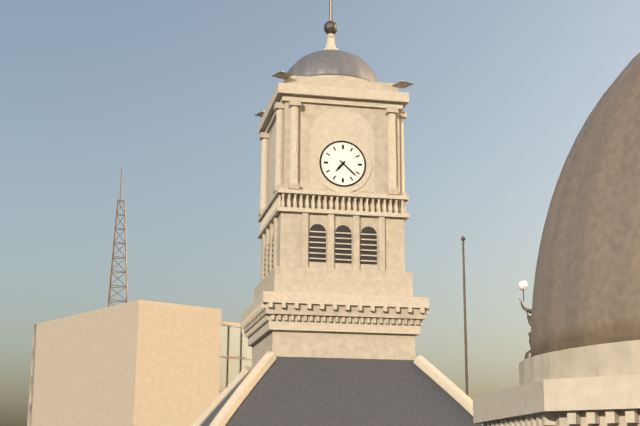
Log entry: 7 h 22 min
